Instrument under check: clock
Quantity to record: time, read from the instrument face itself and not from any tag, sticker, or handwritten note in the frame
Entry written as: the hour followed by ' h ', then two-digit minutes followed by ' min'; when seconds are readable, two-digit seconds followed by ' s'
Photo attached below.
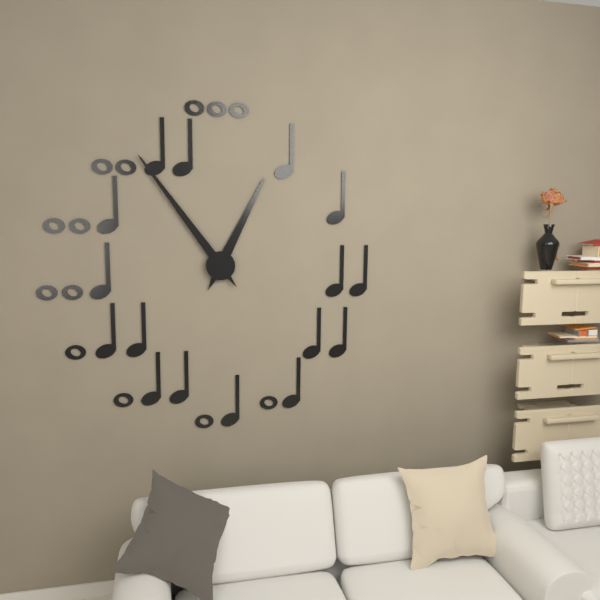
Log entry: 12 h 54 min
